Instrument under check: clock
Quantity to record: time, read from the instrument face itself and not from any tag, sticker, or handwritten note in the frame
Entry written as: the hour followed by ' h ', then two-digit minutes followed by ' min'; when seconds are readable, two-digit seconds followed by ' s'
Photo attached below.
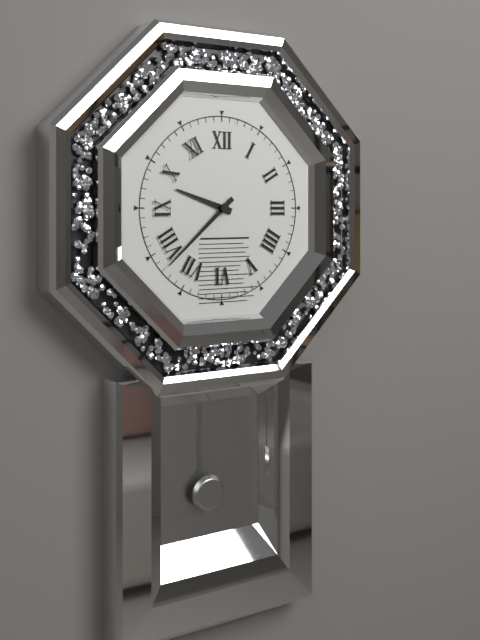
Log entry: 9 h 38 min
